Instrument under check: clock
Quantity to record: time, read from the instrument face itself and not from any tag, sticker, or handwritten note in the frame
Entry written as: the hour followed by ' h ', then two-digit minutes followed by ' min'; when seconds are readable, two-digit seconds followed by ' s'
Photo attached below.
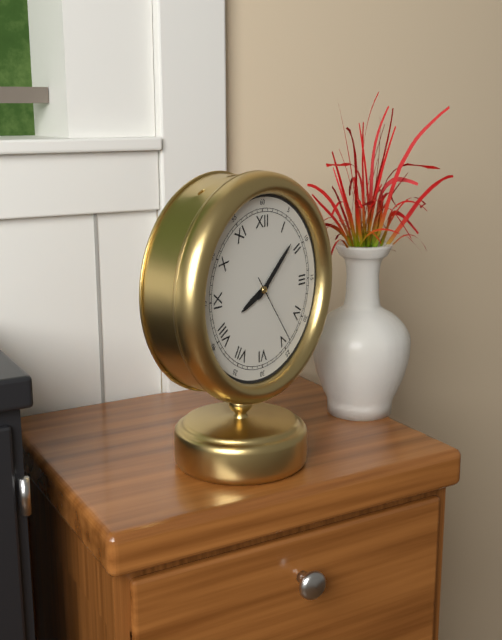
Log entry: 8 h 08 min 24 s
